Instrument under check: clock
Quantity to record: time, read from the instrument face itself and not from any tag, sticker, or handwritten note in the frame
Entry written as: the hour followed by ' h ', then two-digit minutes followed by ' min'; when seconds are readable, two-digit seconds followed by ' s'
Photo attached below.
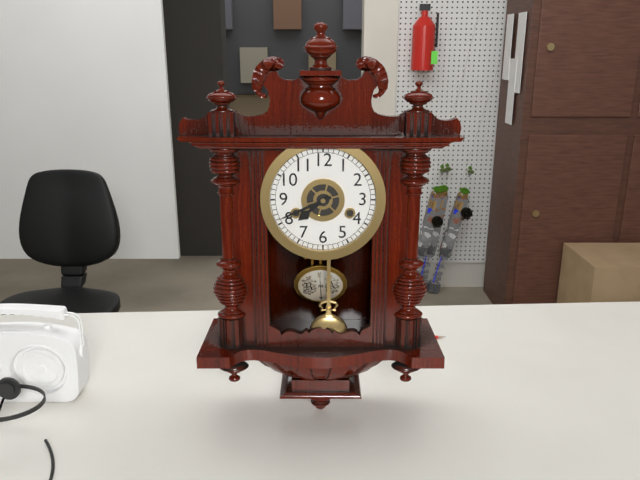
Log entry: 7 h 41 min
